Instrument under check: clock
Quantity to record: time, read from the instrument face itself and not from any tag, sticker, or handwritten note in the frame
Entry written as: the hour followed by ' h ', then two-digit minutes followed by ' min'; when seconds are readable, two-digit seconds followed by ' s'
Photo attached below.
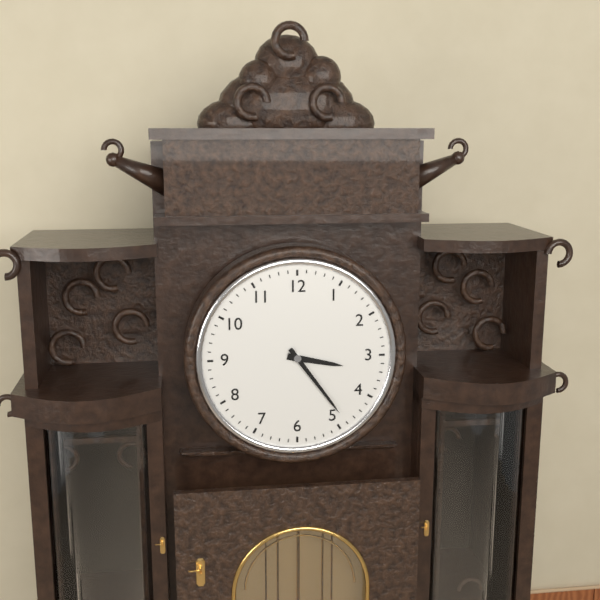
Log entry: 3 h 24 min
